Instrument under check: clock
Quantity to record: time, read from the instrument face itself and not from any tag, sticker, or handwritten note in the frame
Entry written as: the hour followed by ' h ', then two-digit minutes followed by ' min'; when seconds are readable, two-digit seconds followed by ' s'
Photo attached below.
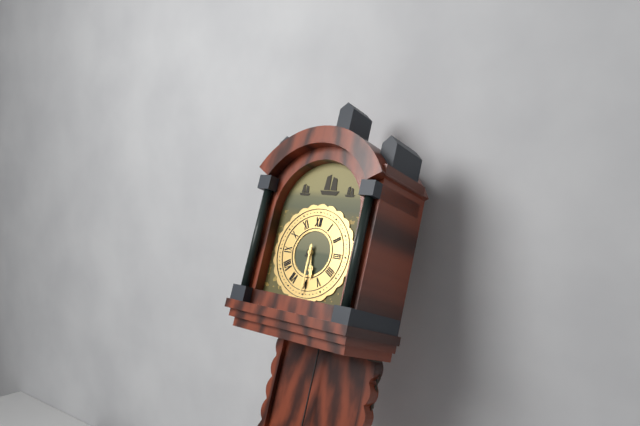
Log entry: 5 h 30 min
